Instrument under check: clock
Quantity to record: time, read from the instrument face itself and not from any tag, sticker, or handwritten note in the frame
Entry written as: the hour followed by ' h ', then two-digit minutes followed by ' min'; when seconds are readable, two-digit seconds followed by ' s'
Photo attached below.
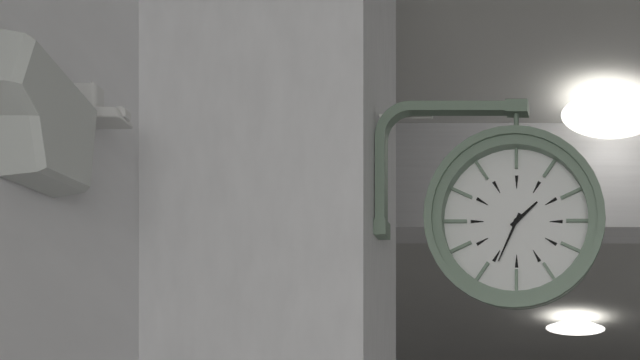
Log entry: 1 h 34 min
